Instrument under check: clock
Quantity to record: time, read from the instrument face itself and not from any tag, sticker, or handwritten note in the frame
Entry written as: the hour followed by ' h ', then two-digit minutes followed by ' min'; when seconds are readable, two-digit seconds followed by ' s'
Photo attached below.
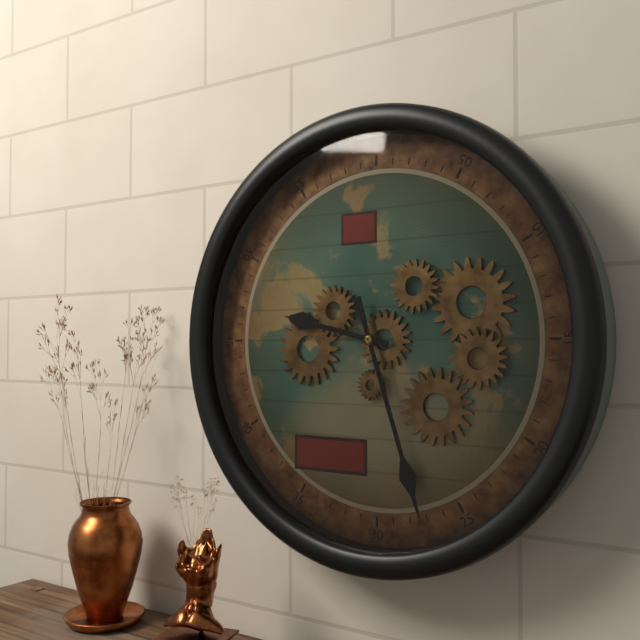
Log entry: 9 h 27 min
